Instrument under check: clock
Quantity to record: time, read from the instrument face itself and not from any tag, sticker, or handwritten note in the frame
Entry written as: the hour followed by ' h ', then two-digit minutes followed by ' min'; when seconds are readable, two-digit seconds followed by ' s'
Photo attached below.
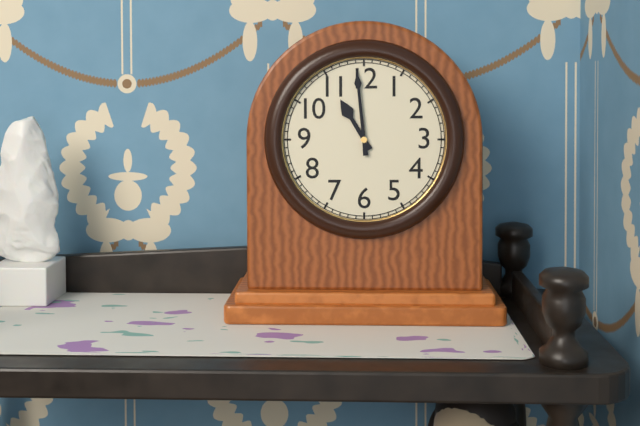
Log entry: 10 h 59 min
